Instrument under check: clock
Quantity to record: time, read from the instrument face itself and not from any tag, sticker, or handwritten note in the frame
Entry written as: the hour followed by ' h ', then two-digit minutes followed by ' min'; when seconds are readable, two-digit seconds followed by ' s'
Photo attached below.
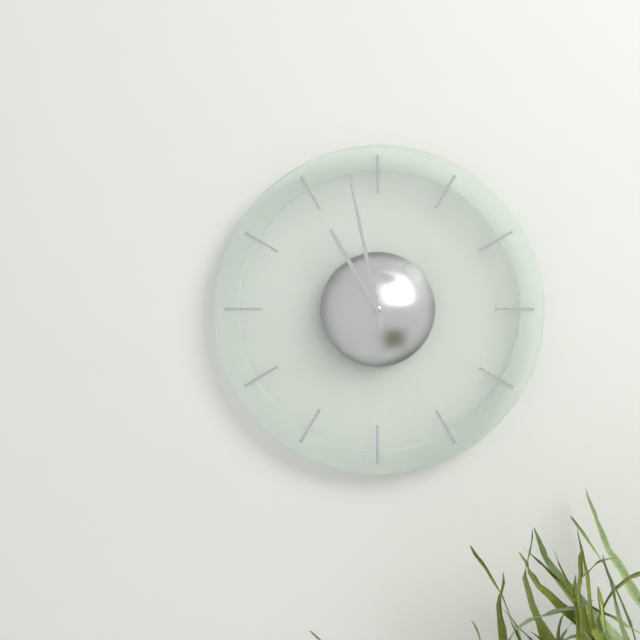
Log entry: 10 h 58 min
